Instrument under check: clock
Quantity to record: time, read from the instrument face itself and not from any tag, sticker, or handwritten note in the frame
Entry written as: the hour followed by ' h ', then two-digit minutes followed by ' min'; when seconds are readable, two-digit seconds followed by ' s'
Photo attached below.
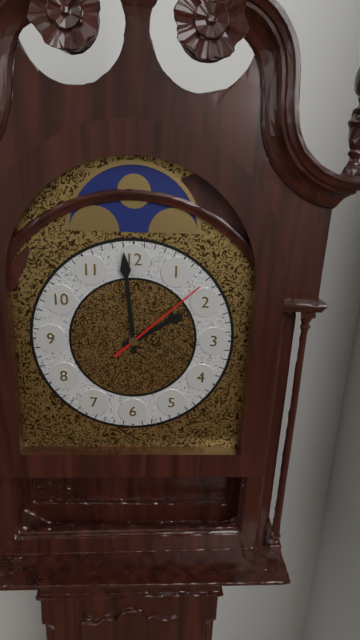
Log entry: 1 h 59 min 08 s
